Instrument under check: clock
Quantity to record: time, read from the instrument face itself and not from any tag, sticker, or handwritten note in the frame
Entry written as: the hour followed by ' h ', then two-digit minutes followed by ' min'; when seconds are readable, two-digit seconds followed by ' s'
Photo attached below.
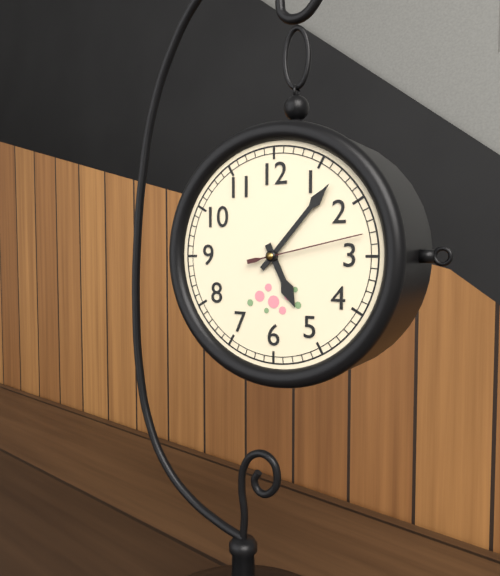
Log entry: 5 h 07 min 13 s
